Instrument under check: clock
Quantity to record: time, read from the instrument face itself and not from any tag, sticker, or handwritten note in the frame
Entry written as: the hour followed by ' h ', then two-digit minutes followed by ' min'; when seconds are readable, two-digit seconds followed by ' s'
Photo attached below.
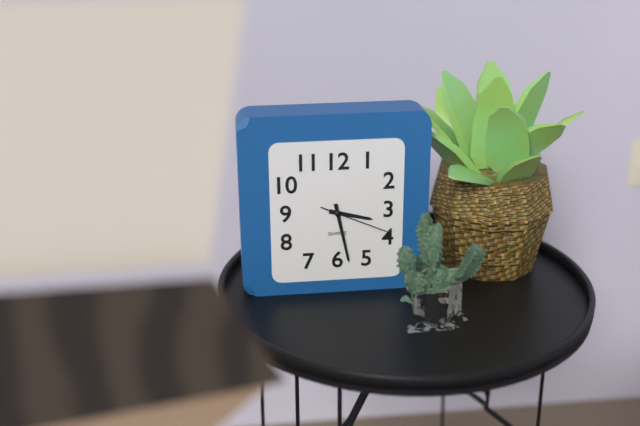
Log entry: 3 h 28 min 19 s
